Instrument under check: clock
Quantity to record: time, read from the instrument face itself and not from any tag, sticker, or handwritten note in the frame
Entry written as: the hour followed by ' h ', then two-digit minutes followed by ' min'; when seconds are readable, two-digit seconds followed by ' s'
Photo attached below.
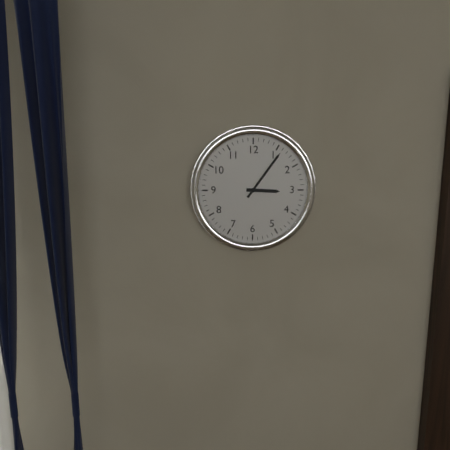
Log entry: 3 h 06 min
